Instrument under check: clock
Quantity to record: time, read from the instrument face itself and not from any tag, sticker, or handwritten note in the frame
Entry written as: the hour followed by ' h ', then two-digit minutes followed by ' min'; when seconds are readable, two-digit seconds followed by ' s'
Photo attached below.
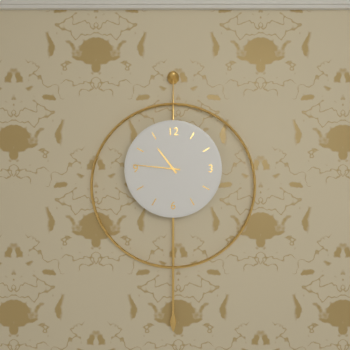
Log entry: 10 h 46 min
